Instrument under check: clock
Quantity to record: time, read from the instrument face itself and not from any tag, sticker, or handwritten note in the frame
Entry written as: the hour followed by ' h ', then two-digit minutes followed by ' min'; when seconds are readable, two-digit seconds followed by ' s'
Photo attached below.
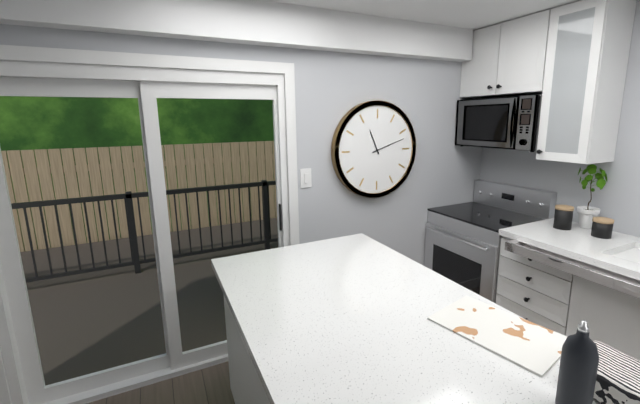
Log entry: 11 h 12 min
